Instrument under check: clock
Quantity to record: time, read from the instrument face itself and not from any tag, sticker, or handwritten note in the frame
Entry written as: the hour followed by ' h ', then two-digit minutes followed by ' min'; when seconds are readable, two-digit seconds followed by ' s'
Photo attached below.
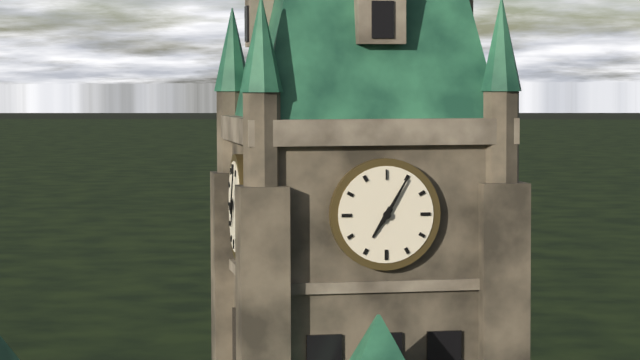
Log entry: 7 h 05 min
